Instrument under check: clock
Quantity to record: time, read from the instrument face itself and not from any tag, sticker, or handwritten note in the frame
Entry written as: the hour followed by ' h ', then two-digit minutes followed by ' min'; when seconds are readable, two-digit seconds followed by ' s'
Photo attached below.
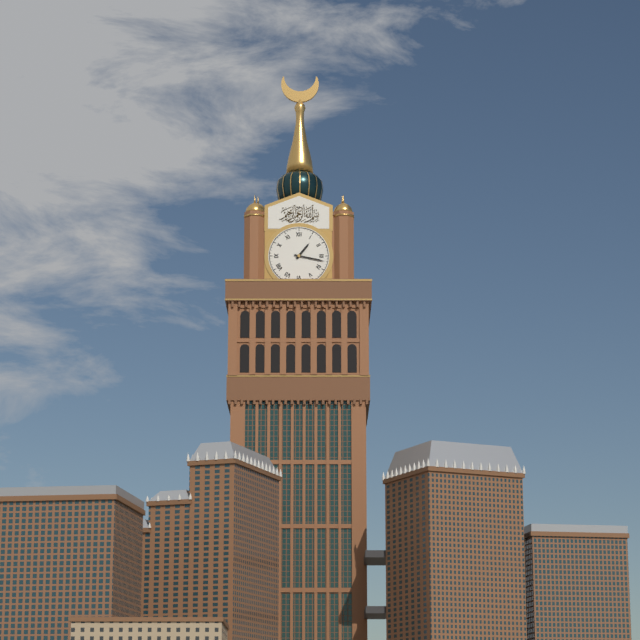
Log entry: 1 h 17 min
